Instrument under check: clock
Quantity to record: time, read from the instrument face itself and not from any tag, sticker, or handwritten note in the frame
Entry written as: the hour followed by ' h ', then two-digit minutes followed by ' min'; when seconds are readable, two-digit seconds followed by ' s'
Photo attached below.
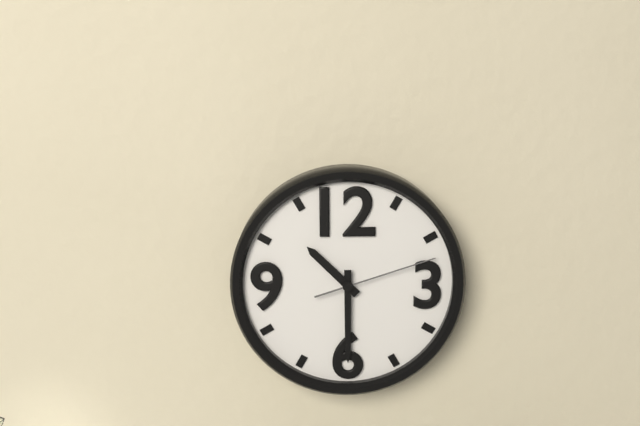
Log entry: 10 h 30 min 12 s
